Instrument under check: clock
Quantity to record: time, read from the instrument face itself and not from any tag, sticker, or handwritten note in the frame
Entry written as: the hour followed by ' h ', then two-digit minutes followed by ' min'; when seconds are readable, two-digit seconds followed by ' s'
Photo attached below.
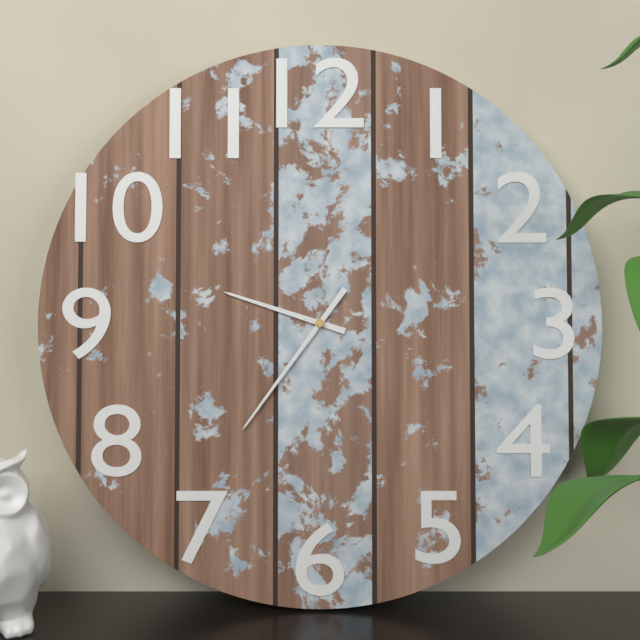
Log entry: 9 h 36 min
